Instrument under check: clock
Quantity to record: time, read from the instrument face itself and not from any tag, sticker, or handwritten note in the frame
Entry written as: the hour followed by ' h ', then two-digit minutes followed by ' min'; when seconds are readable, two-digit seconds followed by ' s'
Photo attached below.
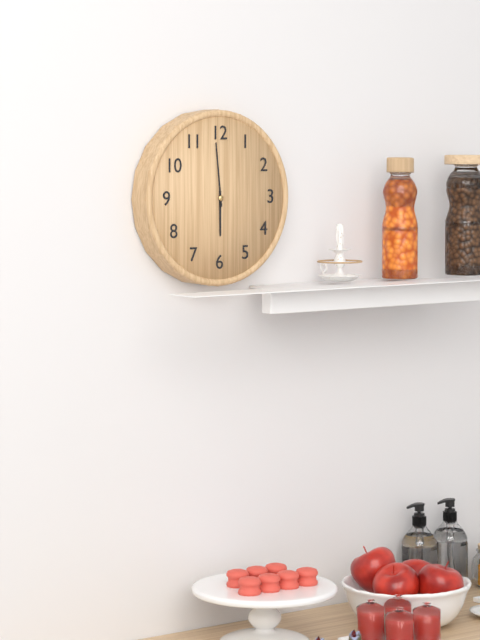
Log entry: 5 h 59 min
